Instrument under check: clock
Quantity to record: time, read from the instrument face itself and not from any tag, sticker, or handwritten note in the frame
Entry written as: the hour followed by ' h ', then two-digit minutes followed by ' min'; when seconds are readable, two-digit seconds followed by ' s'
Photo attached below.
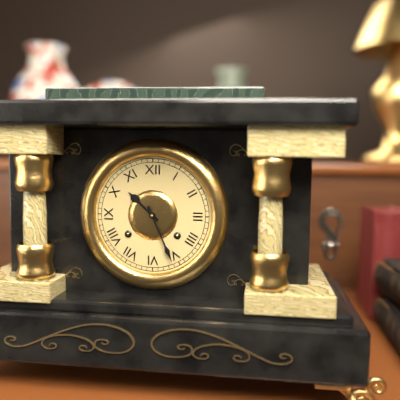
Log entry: 10 h 26 min
